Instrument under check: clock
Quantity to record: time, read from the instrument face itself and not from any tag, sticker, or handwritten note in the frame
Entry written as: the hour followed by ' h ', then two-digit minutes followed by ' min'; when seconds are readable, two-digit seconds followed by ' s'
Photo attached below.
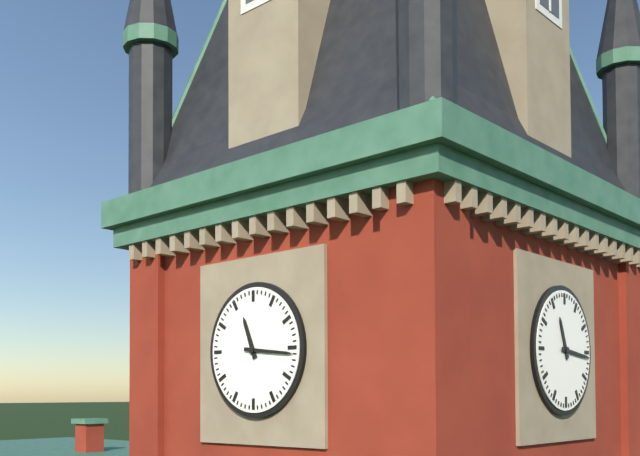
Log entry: 11 h 16 min
